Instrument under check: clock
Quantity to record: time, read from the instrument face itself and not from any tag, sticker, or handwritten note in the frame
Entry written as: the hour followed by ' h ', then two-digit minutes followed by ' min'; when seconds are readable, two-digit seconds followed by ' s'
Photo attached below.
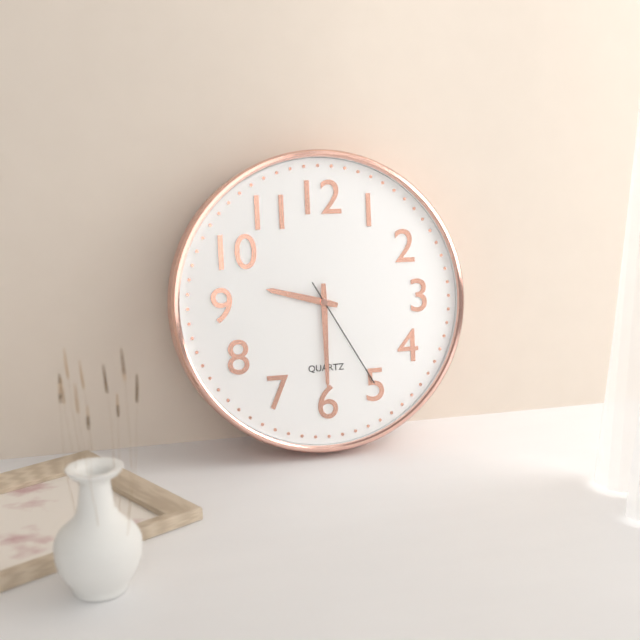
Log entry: 9 h 30 min 25 s
